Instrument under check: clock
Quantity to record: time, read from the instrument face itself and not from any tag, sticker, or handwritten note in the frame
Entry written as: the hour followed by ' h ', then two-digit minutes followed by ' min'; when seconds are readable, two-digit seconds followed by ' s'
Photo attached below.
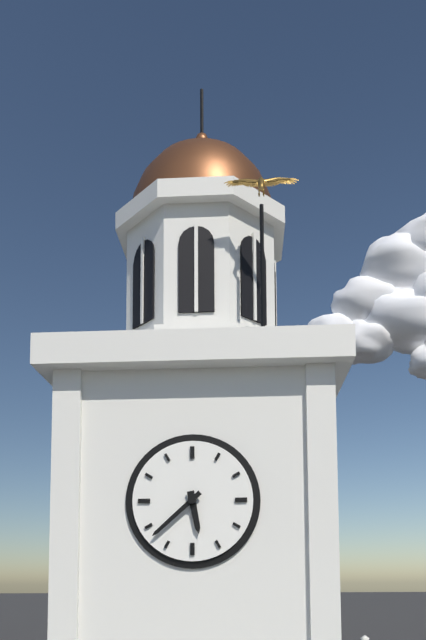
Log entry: 5 h 38 min
